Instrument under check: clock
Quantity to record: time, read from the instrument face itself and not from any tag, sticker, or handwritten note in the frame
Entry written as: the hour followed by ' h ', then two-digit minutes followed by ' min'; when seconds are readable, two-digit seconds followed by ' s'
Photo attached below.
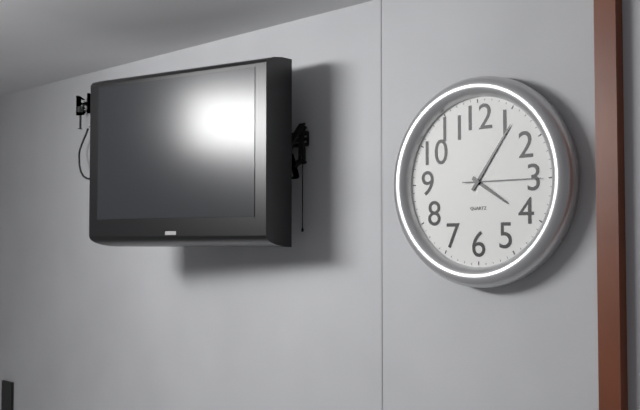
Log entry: 4 h 06 min 15 s
